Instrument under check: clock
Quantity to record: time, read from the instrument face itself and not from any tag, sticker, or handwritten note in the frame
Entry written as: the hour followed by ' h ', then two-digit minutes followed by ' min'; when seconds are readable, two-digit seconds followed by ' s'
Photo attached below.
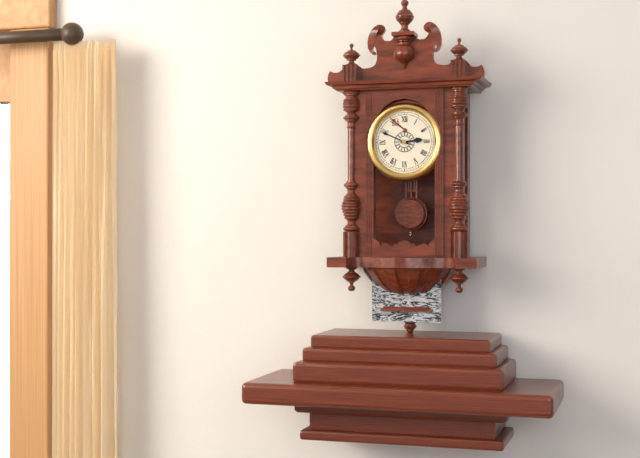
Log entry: 2 h 49 min
